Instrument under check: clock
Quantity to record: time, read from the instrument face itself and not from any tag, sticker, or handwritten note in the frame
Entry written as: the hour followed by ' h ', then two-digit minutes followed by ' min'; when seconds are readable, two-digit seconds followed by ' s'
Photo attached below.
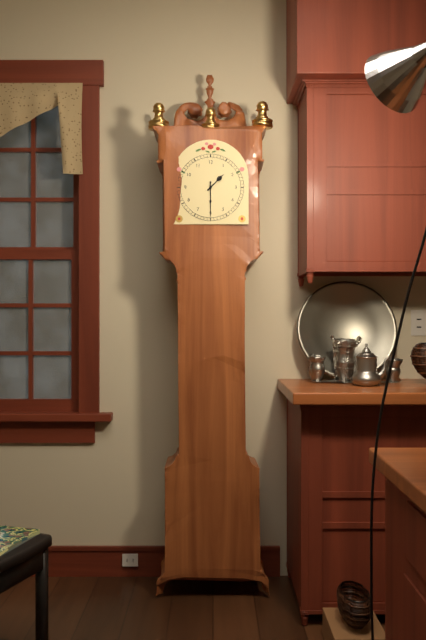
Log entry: 1 h 30 min
